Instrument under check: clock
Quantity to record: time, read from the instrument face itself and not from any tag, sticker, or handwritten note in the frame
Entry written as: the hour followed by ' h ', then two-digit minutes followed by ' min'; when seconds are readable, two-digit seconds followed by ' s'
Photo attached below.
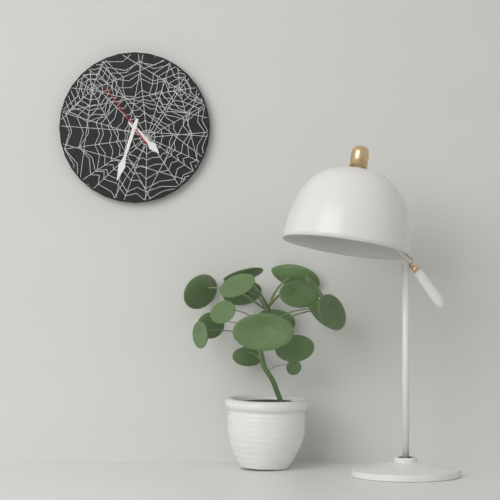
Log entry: 4 h 33 min 54 s
